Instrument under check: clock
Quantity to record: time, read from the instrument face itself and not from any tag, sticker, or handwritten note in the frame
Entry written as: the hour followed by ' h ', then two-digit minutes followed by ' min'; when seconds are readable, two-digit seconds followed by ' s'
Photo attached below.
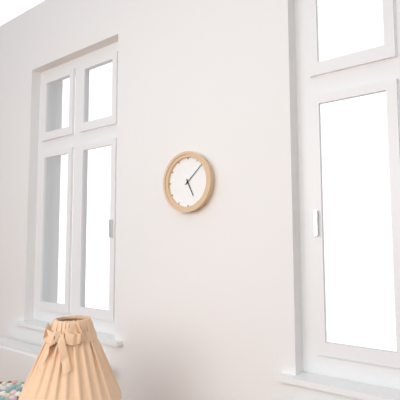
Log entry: 5 h 08 min
